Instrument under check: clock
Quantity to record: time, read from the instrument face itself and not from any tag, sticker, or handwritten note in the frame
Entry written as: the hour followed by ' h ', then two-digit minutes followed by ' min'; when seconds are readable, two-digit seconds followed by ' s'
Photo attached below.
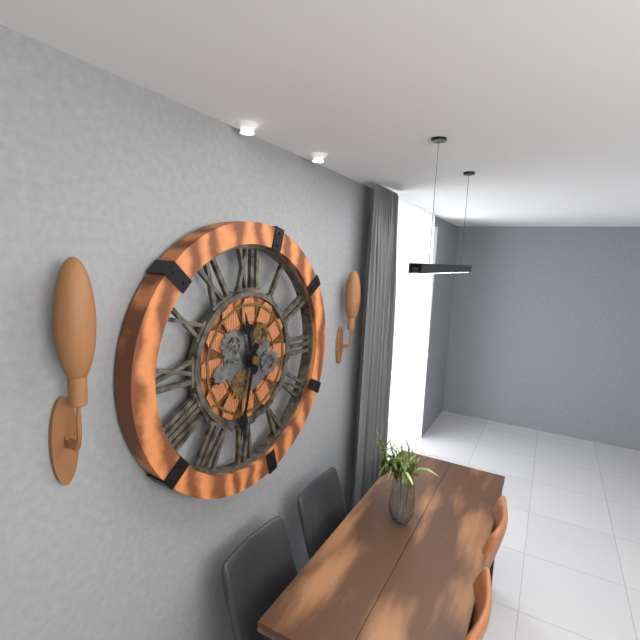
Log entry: 11 h 32 min
